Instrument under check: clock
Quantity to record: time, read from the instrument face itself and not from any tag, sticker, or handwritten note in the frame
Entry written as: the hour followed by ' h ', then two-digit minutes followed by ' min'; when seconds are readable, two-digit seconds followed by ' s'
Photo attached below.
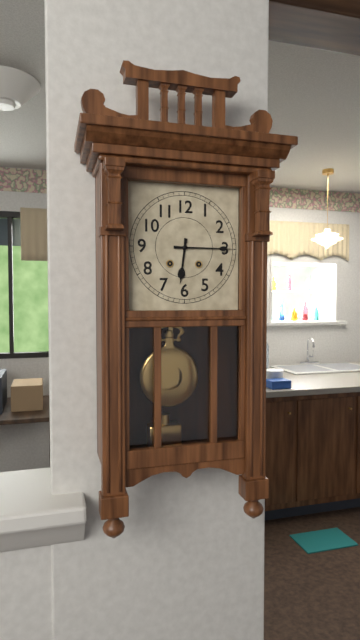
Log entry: 6 h 15 min
